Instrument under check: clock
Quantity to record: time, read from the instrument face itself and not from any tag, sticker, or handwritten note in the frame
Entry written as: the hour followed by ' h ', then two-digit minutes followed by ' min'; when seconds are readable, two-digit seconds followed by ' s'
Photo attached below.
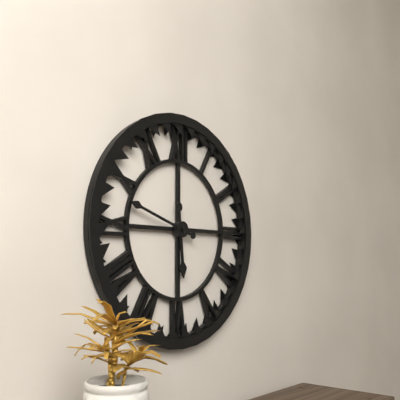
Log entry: 5 h 48 min
